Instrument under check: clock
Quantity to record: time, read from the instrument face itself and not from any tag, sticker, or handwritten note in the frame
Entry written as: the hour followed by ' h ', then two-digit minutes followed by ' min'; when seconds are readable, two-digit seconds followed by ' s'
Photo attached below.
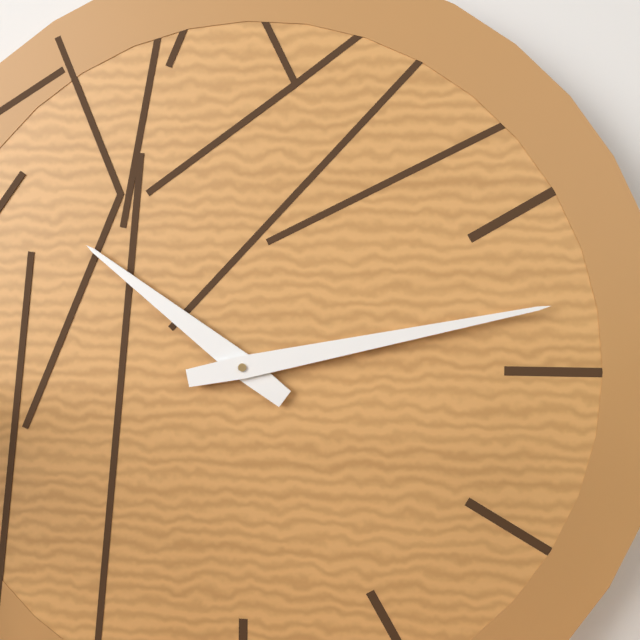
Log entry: 10 h 13 min
